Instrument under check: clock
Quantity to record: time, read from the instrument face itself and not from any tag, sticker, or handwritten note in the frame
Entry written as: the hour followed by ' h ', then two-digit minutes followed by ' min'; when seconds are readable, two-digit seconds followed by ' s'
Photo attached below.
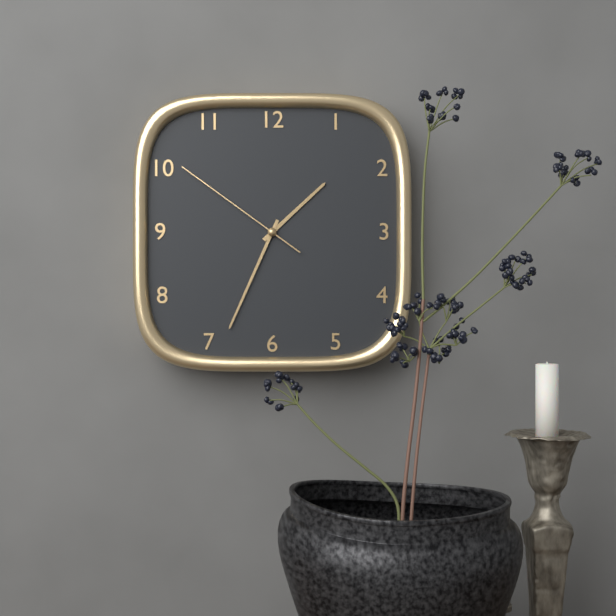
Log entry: 1 h 34 min 51 s
